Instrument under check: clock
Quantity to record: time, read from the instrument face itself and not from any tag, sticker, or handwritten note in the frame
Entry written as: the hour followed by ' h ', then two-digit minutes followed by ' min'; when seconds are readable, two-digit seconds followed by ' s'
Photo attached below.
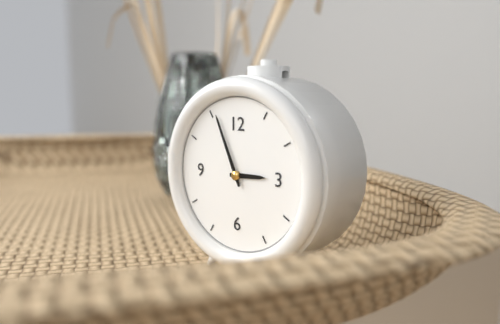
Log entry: 2 h 56 min
